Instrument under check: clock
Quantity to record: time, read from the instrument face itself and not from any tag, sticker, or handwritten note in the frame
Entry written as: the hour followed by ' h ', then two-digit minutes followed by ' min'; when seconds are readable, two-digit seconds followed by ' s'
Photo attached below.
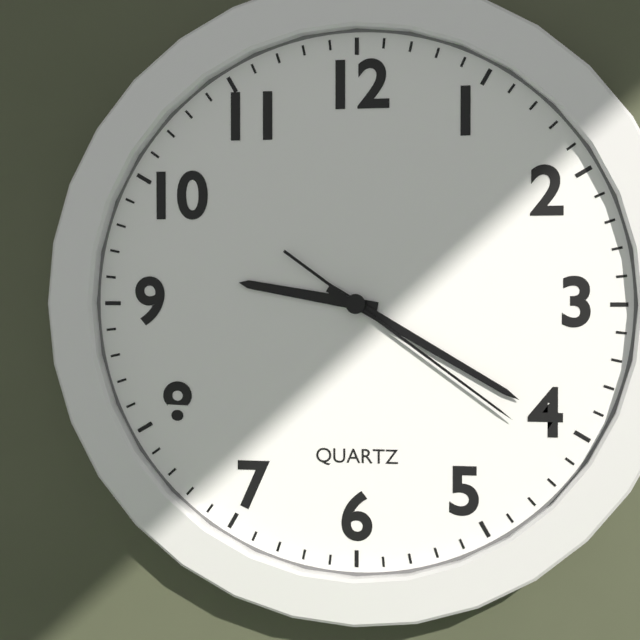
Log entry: 9 h 20 min 21 s
